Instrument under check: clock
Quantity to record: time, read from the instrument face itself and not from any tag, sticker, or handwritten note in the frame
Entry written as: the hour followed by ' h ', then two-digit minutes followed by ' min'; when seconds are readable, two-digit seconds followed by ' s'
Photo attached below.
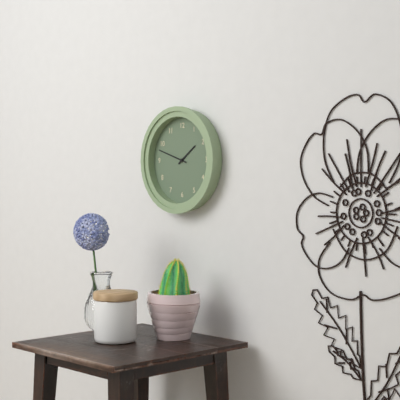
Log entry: 1 h 48 min
